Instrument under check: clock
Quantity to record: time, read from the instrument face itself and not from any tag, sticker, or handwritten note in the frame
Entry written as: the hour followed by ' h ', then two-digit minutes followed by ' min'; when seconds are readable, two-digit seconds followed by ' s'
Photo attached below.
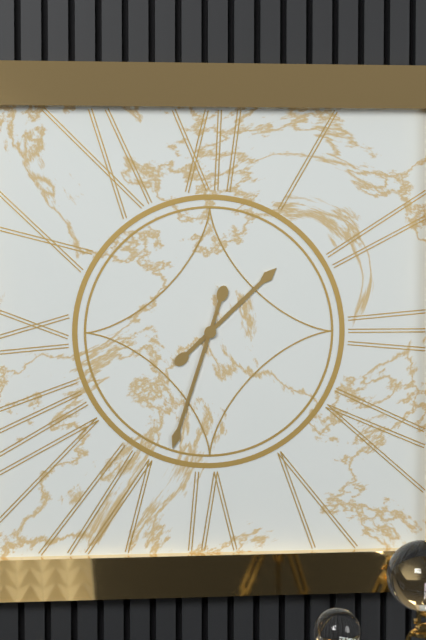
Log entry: 1 h 33 min
